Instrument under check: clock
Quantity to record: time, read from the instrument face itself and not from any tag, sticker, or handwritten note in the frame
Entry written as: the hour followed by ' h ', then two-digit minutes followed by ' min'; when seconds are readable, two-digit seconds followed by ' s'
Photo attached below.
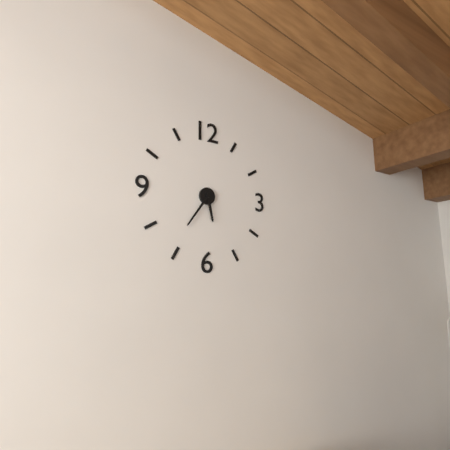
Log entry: 5 h 36 min
